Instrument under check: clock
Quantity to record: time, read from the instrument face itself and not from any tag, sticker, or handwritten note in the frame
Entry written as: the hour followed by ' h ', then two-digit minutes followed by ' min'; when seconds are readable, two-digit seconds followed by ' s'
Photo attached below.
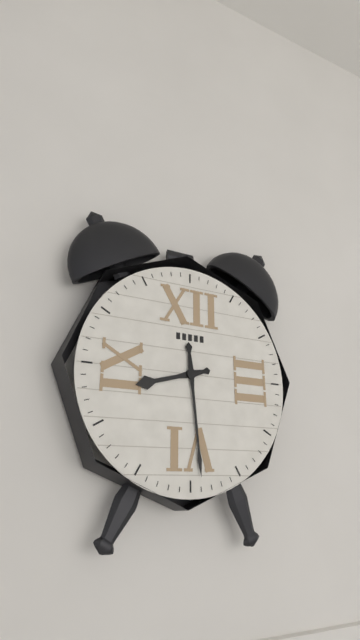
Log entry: 8 h 29 min
